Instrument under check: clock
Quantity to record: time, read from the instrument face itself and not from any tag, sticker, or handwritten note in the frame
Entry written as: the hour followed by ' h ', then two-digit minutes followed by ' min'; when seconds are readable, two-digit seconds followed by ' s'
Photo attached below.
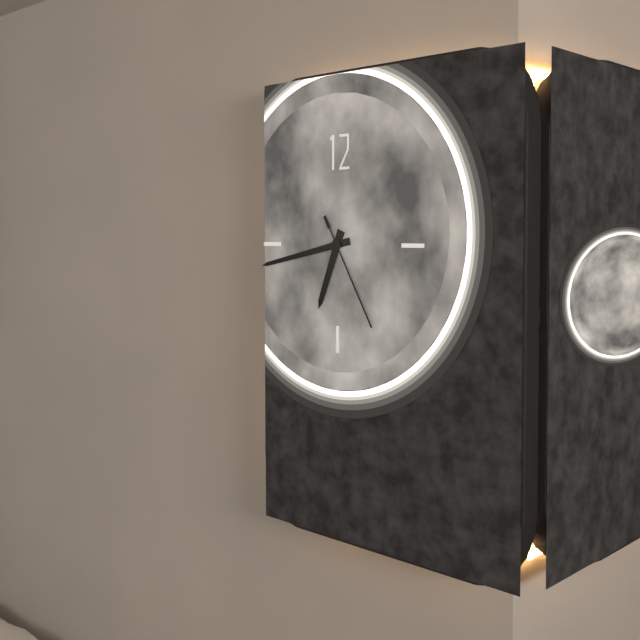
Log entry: 6 h 43 min 25 s
